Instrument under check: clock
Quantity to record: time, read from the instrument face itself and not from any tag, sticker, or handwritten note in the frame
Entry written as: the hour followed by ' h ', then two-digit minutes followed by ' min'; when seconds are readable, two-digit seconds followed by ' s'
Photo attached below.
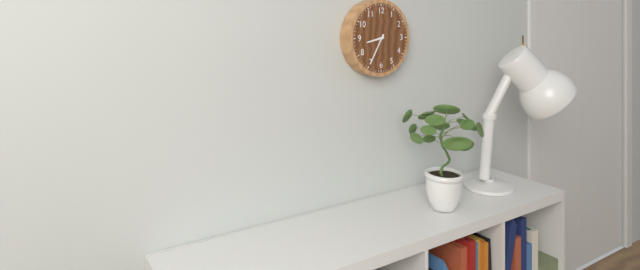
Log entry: 8 h 35 min
